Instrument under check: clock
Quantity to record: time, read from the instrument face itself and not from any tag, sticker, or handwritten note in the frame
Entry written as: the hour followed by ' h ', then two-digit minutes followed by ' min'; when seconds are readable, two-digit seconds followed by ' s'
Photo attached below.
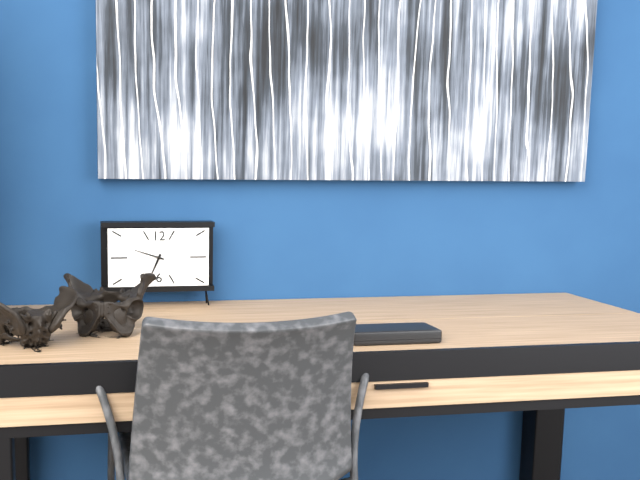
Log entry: 6 h 48 min
